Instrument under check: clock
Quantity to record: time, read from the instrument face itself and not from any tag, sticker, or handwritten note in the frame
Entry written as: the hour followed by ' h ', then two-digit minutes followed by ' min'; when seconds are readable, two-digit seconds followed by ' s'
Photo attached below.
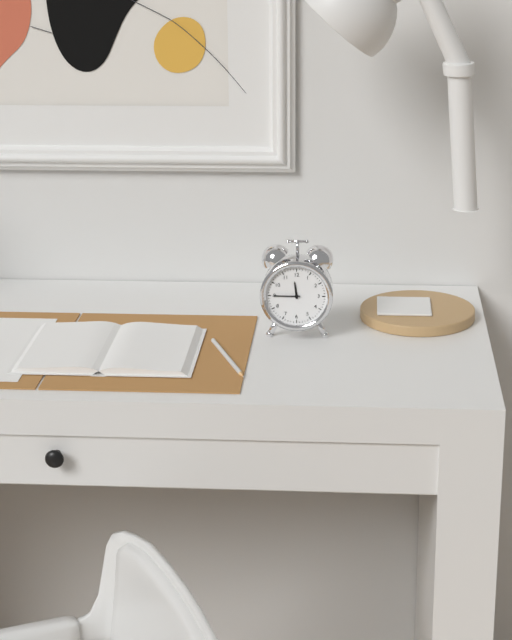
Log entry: 11 h 45 min
